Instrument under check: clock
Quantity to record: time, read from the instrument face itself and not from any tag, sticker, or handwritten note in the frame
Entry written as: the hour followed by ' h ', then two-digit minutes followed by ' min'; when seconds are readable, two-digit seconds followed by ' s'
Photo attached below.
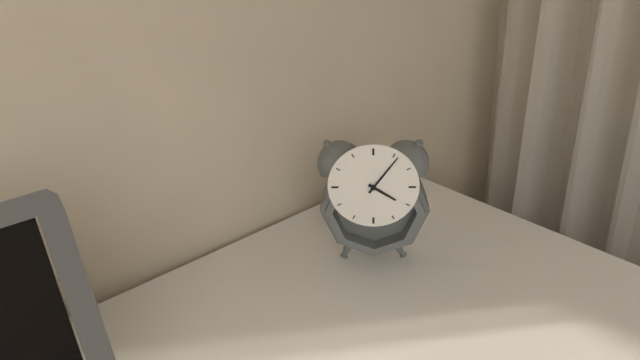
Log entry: 4 h 06 min
